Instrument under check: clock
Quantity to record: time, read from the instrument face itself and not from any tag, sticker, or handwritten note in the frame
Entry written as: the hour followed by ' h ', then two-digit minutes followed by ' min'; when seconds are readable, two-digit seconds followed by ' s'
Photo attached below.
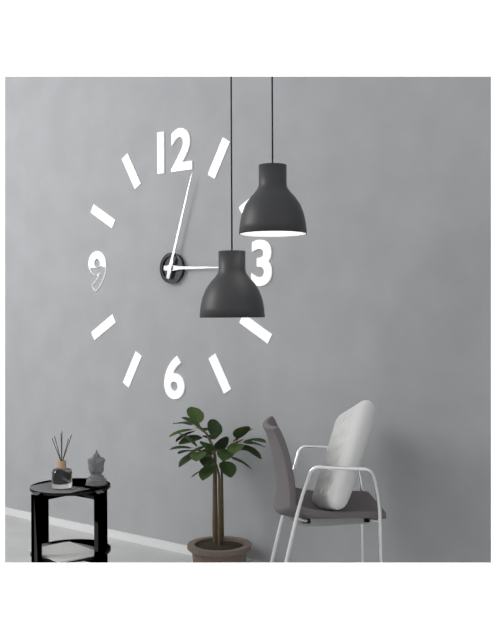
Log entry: 3 h 03 min
